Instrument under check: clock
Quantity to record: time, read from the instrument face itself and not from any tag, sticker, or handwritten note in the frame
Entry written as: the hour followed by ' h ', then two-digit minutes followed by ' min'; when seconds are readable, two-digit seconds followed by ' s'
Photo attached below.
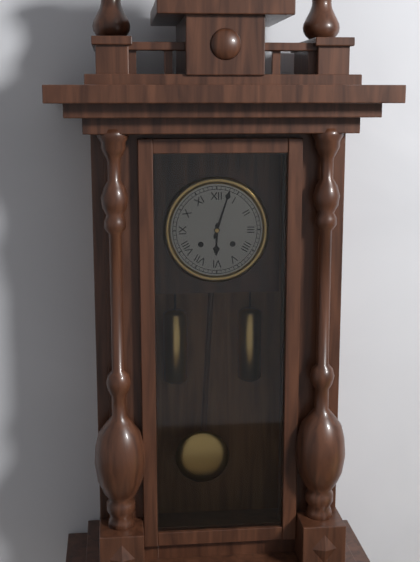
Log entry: 6 h 03 min
